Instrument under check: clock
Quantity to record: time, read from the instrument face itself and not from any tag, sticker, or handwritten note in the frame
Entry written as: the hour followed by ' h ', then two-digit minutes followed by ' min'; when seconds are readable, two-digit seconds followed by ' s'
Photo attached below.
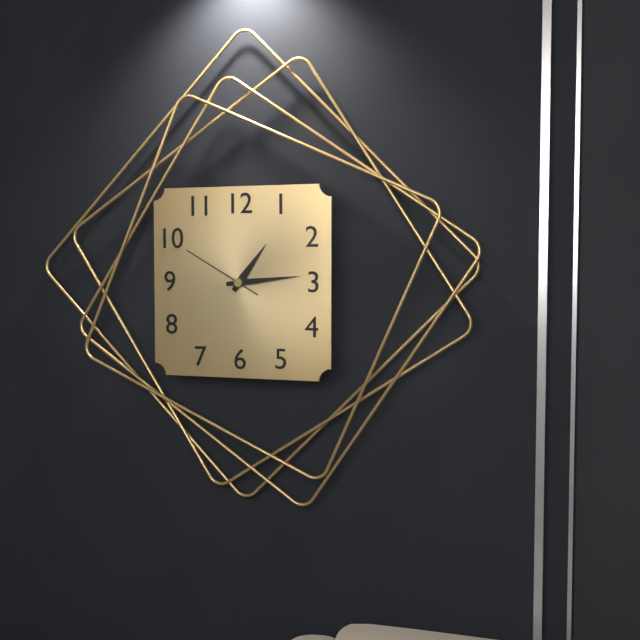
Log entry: 1 h 14 min 50 s
